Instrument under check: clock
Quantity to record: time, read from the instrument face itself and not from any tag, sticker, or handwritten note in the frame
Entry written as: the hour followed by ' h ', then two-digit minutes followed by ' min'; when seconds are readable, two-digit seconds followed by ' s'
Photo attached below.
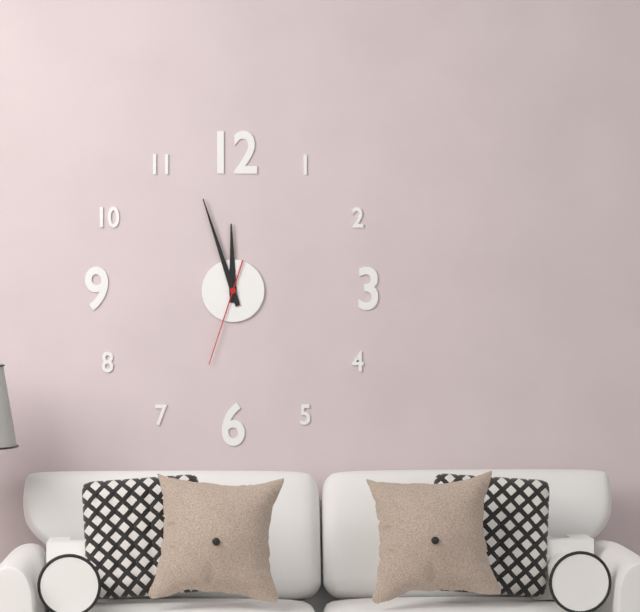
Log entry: 11 h 57 min 33 s
